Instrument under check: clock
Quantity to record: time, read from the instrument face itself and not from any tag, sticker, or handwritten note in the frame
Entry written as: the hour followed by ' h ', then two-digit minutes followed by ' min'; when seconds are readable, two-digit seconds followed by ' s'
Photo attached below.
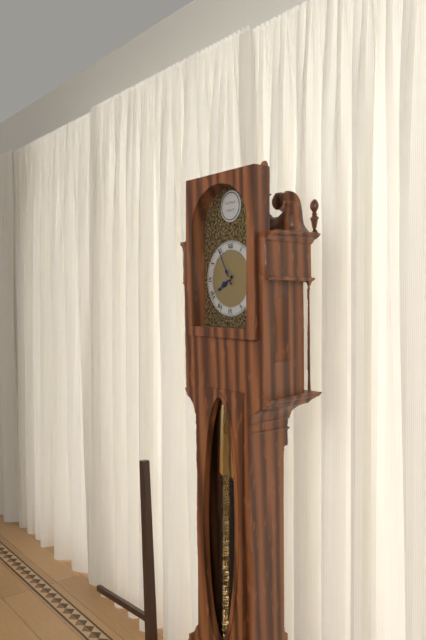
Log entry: 7 h 55 min
